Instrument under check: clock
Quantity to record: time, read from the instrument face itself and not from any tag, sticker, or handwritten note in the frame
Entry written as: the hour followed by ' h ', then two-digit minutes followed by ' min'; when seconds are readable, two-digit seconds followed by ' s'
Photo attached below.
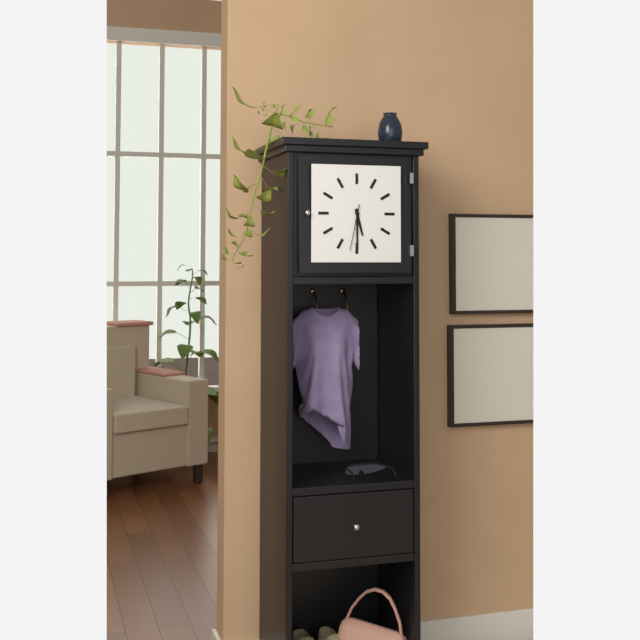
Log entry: 5 h 30 min
